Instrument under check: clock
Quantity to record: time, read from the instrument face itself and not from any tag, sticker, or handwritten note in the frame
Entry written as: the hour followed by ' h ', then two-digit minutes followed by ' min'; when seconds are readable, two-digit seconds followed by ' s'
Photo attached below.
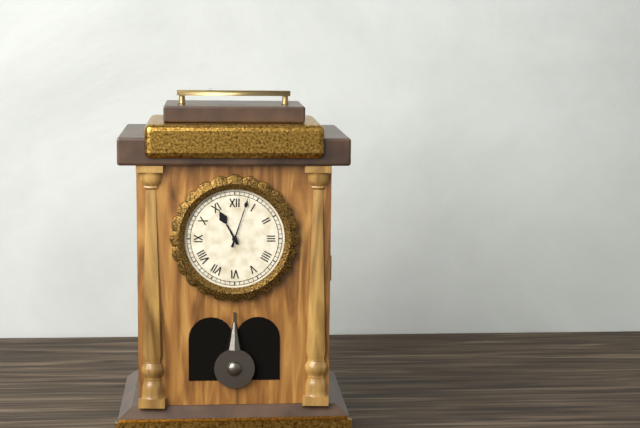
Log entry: 11 h 03 min
